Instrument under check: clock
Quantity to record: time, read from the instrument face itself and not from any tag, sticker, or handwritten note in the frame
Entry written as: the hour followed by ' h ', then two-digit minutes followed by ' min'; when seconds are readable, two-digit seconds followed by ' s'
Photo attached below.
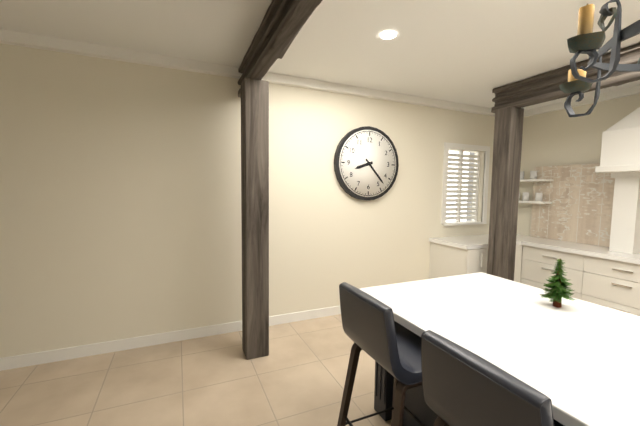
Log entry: 8 h 23 min
